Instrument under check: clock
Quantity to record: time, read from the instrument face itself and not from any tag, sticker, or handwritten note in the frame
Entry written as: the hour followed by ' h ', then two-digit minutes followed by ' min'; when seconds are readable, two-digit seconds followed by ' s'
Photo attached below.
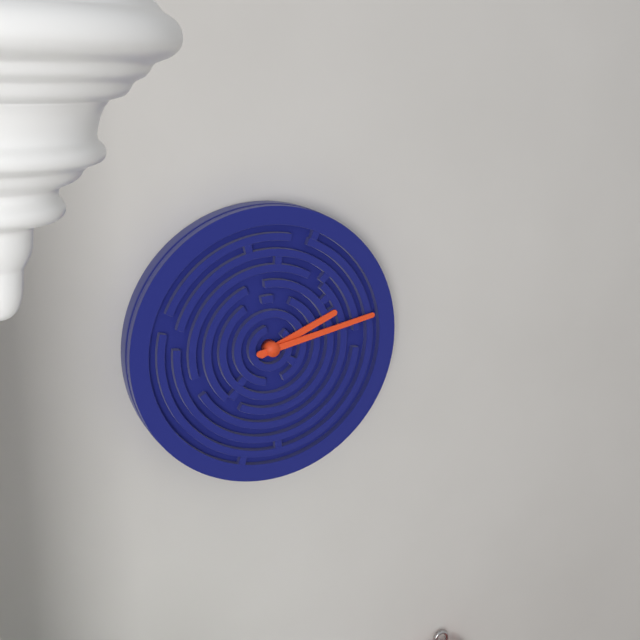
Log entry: 2 h 13 min
